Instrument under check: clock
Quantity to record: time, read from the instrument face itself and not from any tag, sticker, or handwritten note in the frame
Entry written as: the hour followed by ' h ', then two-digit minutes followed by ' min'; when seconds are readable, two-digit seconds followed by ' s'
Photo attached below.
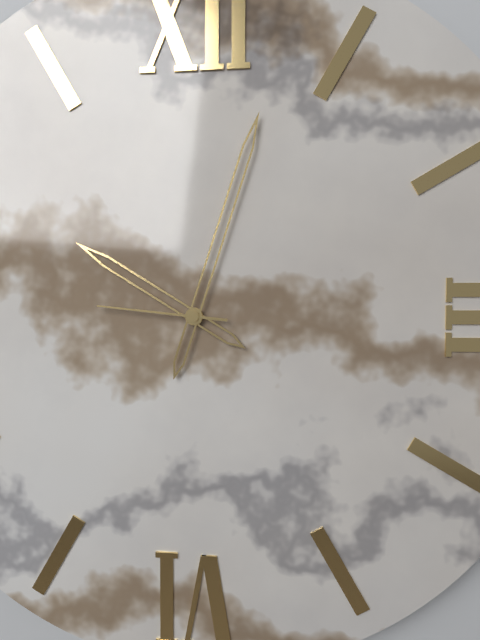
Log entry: 10 h 03 min 46 s
